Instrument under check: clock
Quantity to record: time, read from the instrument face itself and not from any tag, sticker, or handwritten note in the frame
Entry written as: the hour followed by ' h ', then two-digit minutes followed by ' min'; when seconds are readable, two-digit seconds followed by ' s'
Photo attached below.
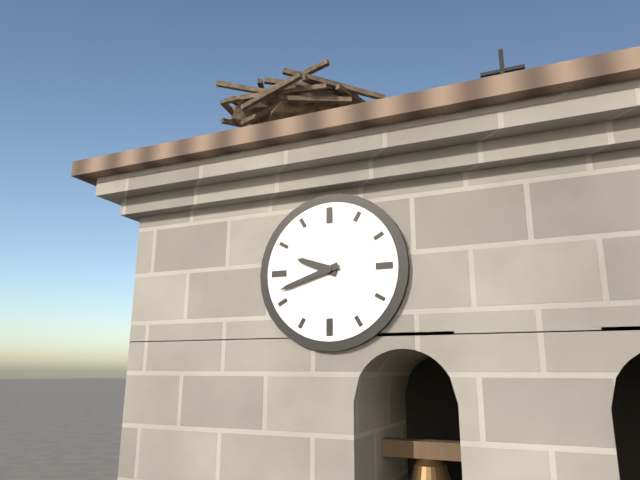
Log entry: 9 h 42 min
